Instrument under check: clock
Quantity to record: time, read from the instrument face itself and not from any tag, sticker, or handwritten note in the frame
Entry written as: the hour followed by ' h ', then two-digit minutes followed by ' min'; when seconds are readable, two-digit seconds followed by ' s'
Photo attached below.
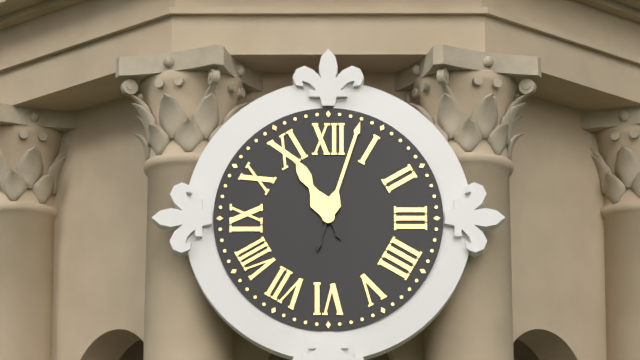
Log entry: 11 h 03 min
